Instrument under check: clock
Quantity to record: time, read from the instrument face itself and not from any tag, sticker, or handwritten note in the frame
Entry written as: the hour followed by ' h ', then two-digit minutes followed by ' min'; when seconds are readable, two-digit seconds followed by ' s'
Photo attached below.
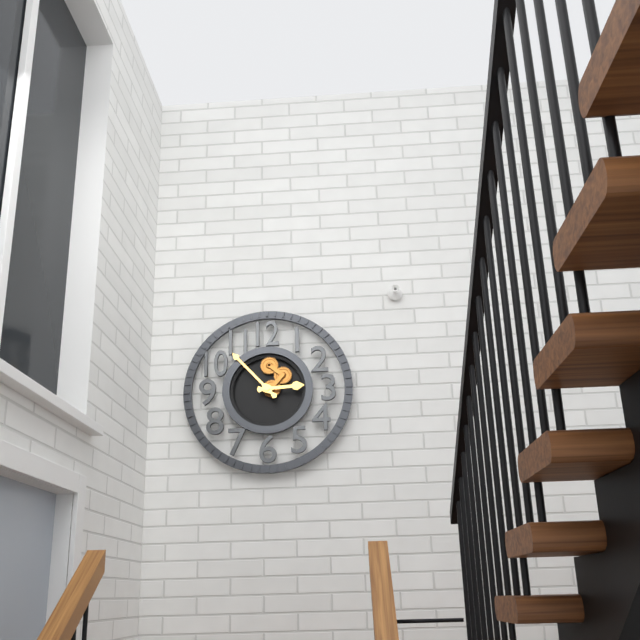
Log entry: 2 h 53 min
